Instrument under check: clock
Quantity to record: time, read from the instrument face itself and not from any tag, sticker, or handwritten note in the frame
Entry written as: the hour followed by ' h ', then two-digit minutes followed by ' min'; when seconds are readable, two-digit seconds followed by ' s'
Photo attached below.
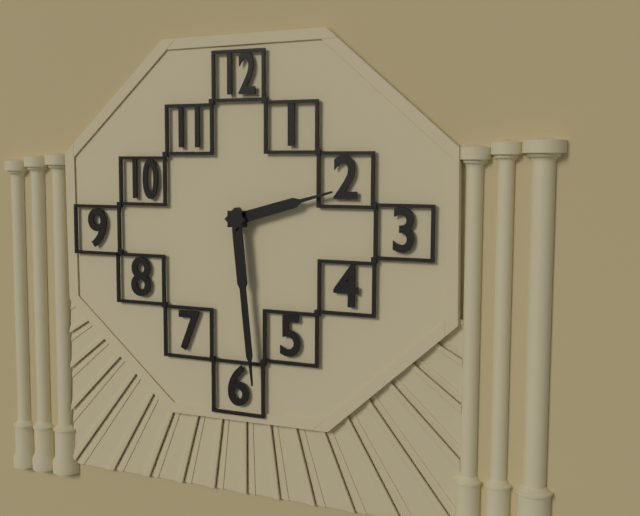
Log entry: 2 h 29 min
